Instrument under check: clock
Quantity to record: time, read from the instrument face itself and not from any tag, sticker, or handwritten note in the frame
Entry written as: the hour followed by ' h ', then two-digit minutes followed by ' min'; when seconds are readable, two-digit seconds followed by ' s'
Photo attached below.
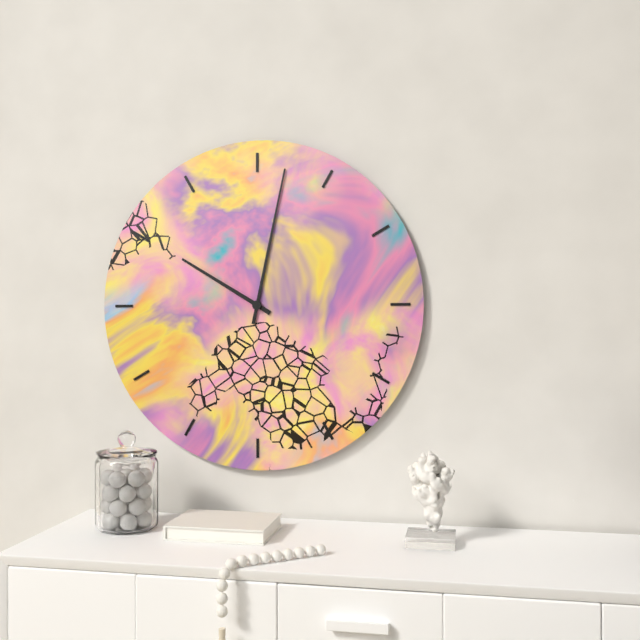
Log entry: 10 h 02 min
